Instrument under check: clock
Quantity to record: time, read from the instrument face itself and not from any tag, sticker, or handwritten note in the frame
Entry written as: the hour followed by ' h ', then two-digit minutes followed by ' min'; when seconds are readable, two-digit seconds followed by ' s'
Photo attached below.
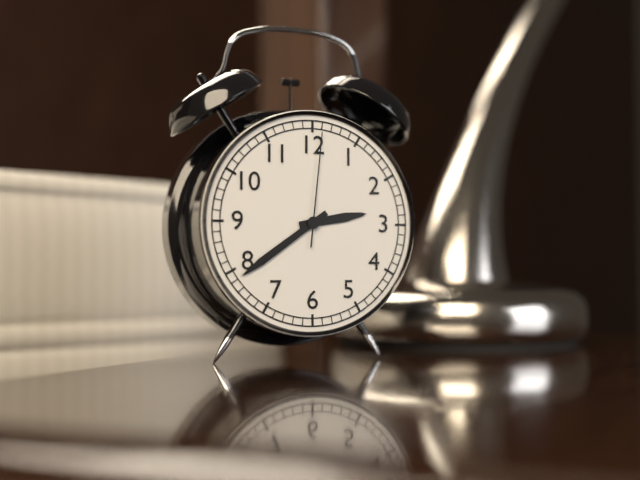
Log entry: 2 h 39 min 01 s
